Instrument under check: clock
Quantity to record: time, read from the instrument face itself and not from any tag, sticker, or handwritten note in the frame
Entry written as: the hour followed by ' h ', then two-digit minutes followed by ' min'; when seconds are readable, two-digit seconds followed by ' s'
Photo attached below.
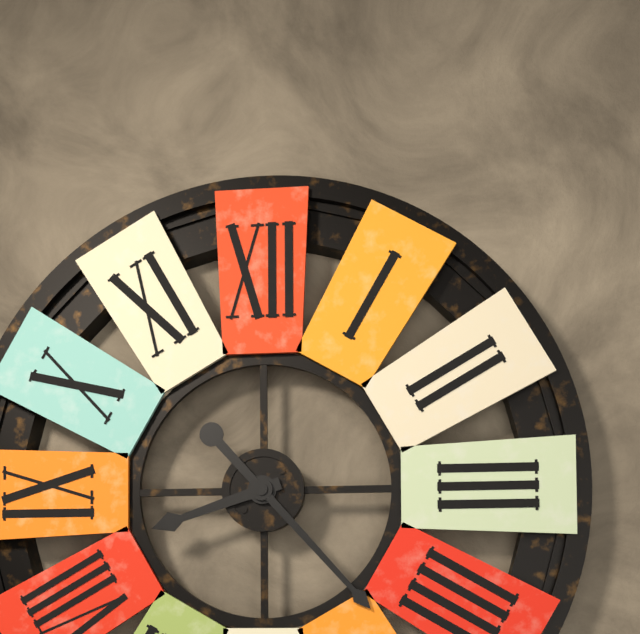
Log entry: 8 h 23 min
